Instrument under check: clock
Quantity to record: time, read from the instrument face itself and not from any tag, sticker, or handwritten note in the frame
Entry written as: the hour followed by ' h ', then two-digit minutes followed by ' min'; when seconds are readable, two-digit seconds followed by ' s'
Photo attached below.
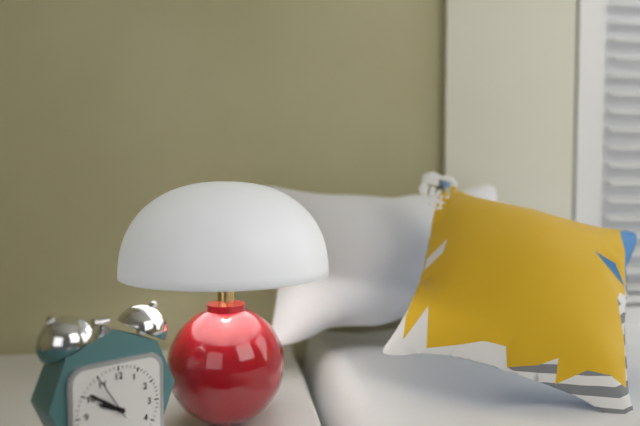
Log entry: 9 h 51 min
